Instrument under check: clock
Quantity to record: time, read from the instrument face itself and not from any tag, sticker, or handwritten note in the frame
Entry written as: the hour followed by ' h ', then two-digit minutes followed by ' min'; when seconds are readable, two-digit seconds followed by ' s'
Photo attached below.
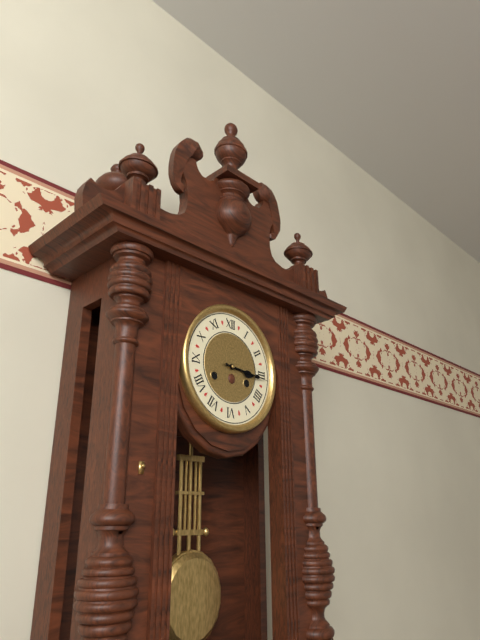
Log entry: 3 h 16 min
